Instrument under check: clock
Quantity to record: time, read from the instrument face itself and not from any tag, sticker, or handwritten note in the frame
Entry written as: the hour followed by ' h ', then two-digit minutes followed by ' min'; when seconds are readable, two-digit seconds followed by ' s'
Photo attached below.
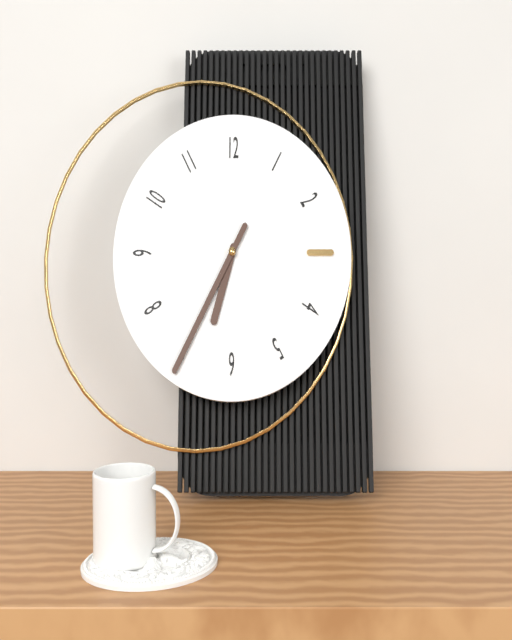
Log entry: 6 h 35 min
